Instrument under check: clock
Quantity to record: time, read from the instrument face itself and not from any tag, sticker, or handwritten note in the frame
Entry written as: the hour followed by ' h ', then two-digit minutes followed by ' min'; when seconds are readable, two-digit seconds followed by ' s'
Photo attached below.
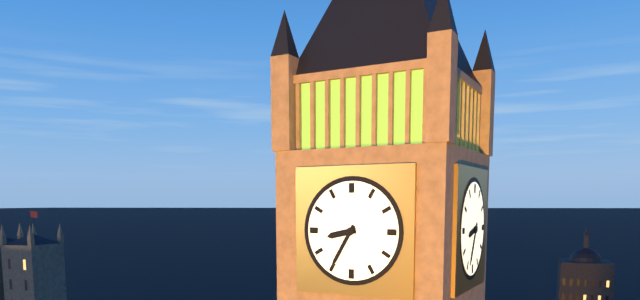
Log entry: 8 h 35 min
